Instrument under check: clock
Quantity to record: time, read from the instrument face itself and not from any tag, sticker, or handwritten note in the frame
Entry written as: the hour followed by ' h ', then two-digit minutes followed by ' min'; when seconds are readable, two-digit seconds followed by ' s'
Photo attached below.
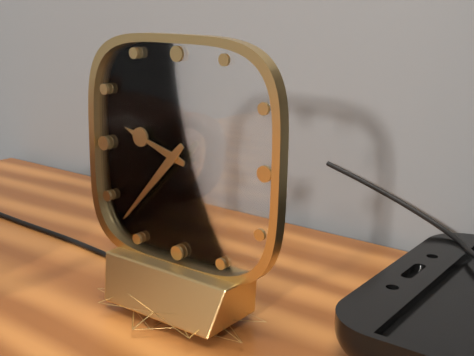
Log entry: 9 h 37 min
